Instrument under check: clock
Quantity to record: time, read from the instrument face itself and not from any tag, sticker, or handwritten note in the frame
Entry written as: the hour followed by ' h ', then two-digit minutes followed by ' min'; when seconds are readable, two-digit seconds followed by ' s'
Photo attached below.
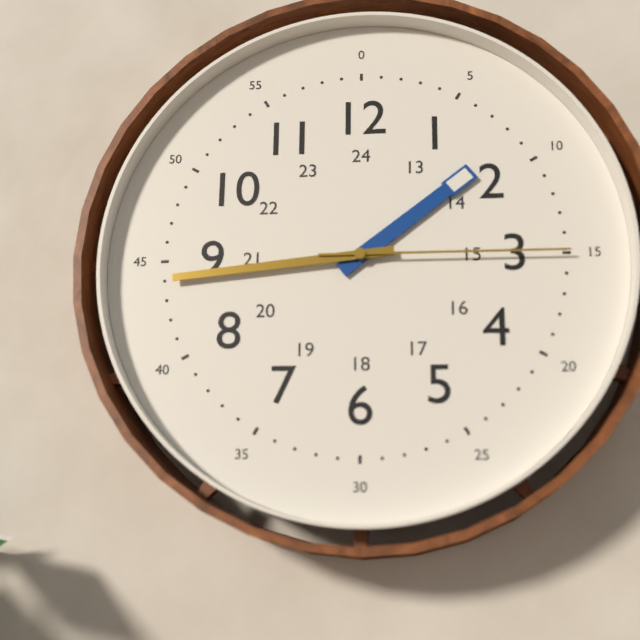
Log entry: 1 h 44 min 15 s
